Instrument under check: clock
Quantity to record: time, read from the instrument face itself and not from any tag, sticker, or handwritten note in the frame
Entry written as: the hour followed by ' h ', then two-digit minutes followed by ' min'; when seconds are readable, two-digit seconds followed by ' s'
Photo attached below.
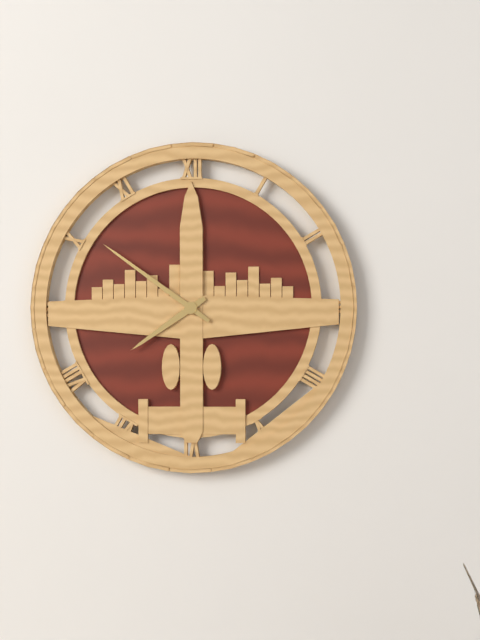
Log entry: 7 h 51 min
